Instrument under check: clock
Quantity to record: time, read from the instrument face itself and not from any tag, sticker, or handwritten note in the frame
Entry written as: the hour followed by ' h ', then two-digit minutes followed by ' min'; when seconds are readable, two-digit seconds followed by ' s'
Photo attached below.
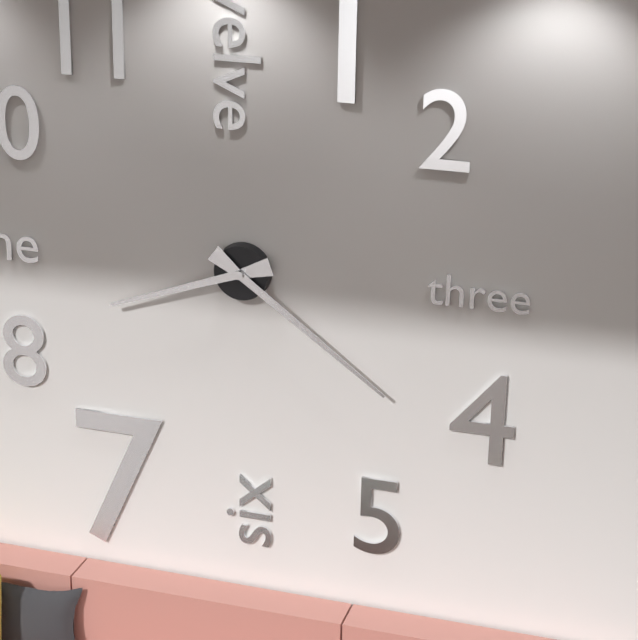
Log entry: 8 h 21 min
